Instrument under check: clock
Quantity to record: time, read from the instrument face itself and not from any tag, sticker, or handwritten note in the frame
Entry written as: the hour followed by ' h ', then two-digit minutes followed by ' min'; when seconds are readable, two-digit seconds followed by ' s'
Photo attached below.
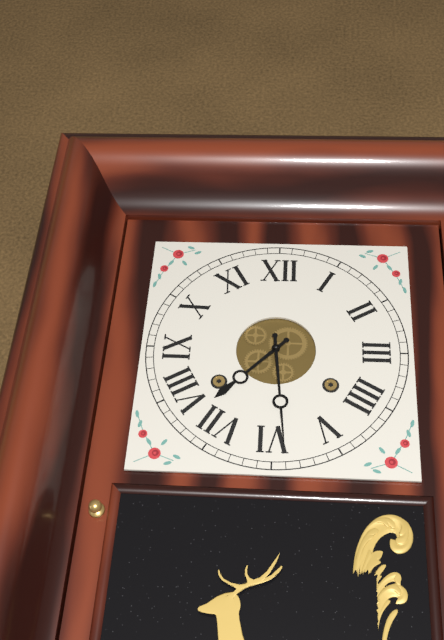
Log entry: 7 h 29 min
